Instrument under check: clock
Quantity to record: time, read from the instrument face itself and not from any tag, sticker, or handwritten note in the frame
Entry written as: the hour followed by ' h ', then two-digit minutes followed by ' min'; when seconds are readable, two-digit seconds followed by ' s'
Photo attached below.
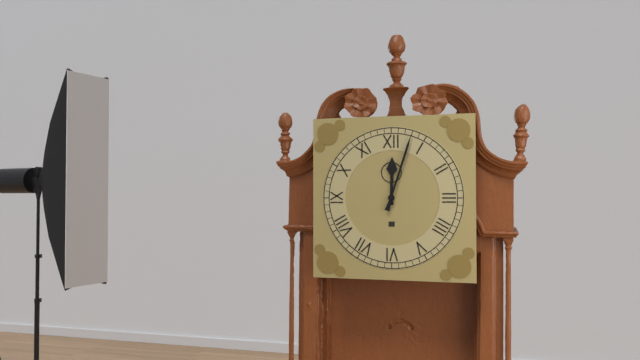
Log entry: 12 h 03 min
